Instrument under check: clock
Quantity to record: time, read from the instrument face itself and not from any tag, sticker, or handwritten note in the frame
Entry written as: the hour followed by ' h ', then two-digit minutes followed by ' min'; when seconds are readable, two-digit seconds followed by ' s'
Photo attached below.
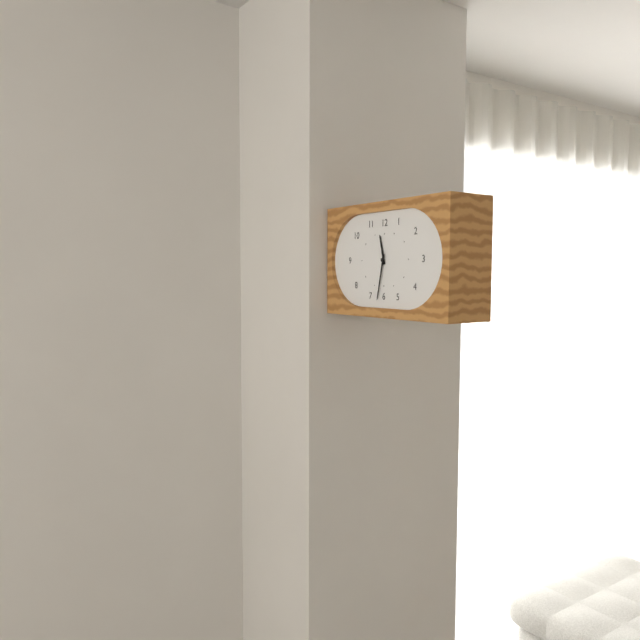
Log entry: 11 h 32 min
